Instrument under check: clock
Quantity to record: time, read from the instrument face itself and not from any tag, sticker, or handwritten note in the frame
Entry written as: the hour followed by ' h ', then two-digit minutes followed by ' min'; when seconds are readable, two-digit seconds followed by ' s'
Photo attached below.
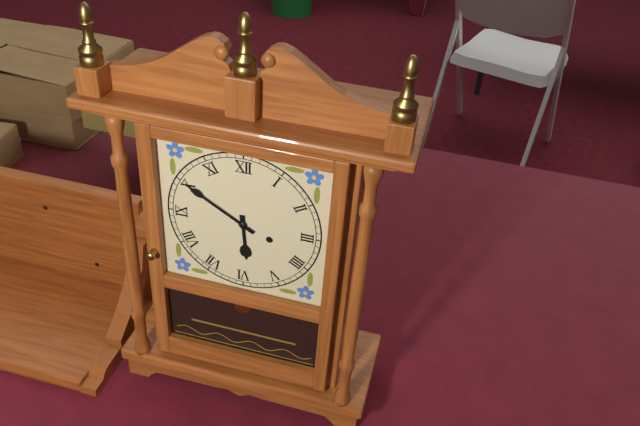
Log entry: 5 h 50 min
